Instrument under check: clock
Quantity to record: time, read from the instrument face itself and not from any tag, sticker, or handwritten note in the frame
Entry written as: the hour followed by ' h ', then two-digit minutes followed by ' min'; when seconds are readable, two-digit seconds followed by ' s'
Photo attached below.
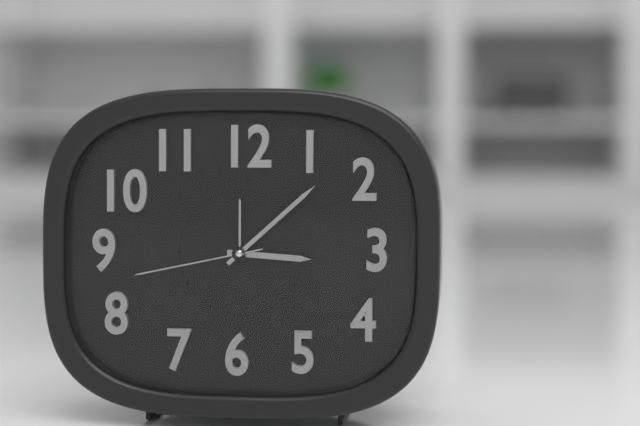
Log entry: 3 h 08 min 43 s
